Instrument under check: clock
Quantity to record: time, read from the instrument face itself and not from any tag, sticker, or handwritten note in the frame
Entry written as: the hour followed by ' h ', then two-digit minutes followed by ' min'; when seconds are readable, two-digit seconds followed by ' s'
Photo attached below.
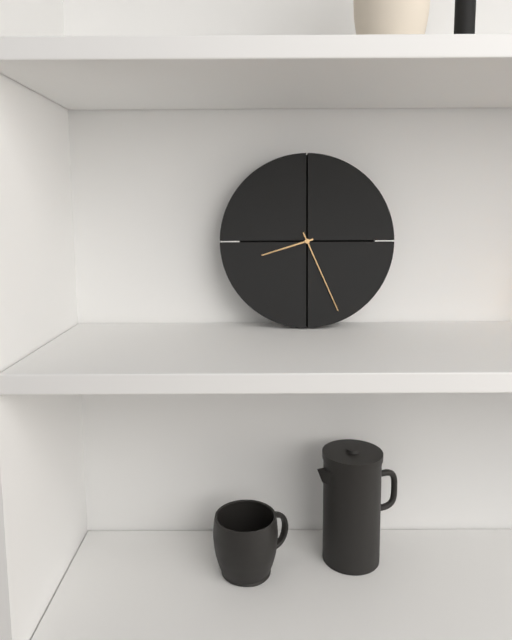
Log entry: 8 h 26 min
